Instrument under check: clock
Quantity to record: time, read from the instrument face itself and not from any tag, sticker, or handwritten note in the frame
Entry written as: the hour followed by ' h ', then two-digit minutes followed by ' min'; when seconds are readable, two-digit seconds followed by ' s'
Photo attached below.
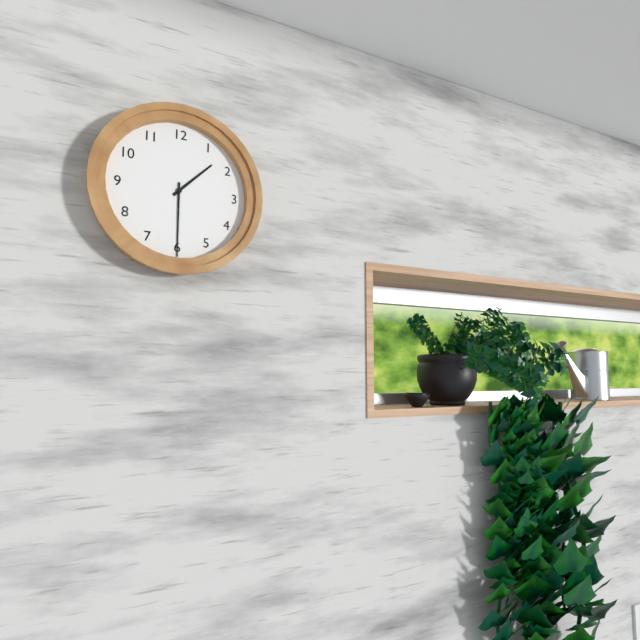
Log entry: 1 h 30 min
